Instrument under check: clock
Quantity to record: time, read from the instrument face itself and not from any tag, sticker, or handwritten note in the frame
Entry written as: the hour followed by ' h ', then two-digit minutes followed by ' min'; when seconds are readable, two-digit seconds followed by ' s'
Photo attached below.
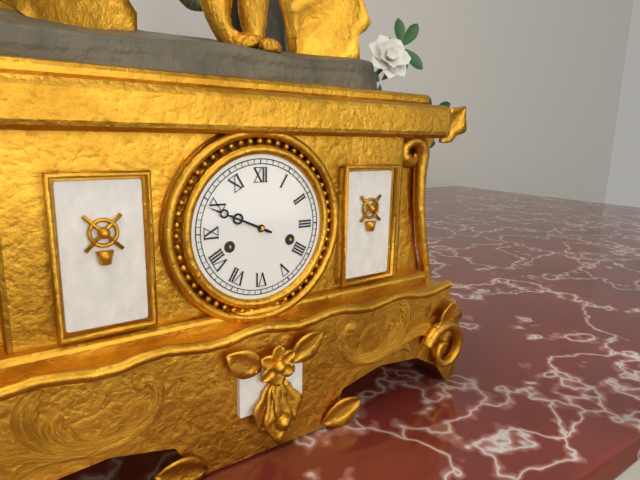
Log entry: 9 h 49 min
